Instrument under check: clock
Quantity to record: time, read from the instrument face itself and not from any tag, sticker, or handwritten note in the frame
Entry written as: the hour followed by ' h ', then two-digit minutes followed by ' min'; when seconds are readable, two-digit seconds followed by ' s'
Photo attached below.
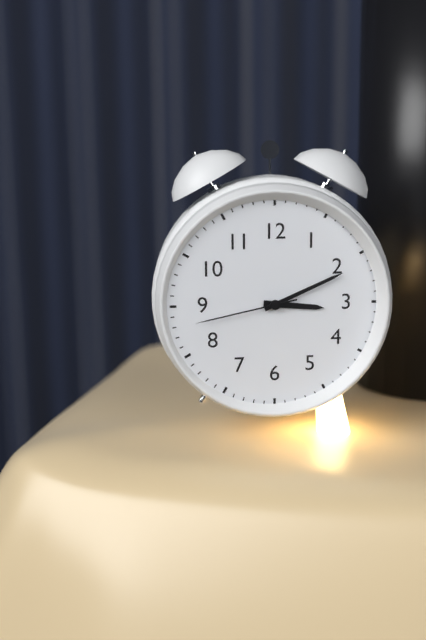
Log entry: 3 h 11 min 43 s
